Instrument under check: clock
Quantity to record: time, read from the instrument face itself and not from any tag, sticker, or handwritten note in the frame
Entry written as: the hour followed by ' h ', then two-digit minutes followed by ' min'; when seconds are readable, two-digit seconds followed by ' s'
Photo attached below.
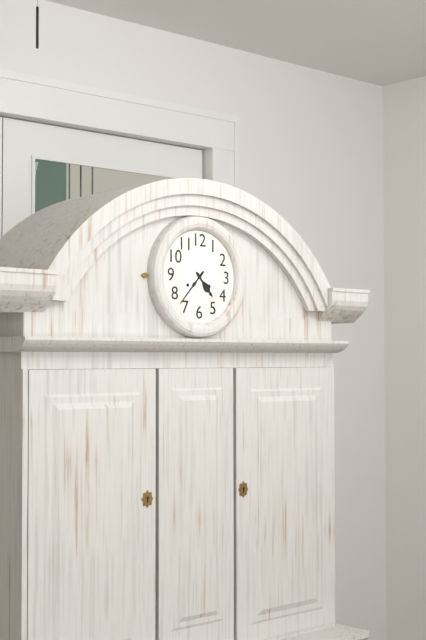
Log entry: 4 h 37 min
